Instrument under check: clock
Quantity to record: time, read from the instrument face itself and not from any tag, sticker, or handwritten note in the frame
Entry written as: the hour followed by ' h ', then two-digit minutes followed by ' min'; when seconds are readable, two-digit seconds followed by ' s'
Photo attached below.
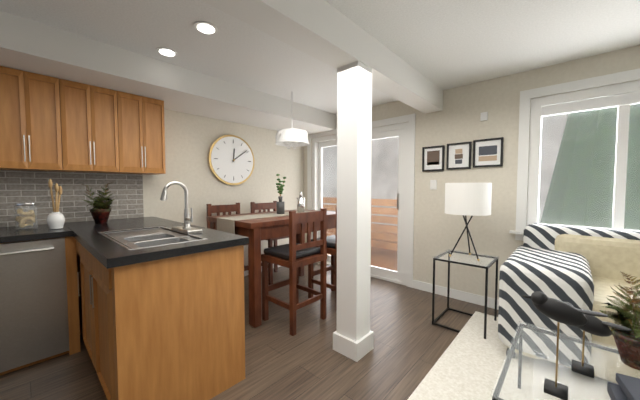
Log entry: 12 h 09 min
